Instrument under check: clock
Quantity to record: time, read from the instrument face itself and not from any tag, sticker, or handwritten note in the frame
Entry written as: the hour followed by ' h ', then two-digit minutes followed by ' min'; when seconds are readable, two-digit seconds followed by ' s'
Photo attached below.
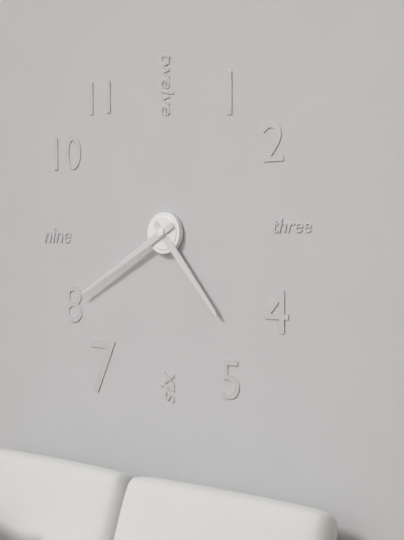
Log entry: 4 h 40 min
